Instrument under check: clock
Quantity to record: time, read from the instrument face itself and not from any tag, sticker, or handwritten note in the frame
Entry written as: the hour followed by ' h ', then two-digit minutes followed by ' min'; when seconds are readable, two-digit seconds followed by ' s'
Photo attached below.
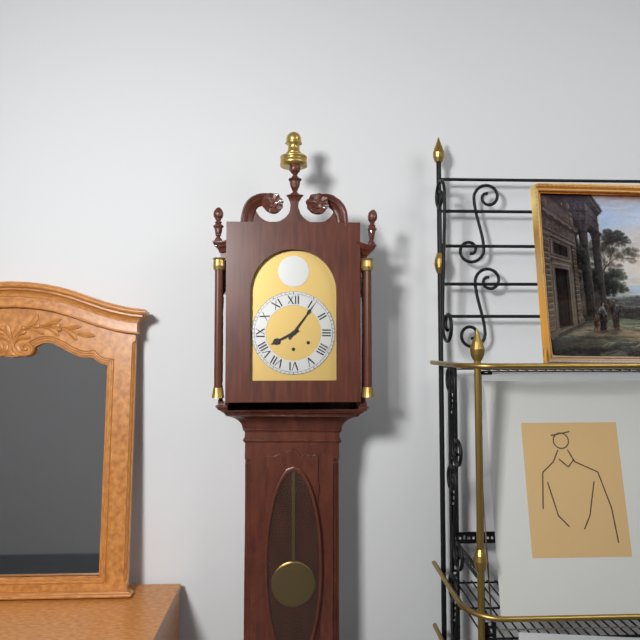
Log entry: 8 h 06 min
